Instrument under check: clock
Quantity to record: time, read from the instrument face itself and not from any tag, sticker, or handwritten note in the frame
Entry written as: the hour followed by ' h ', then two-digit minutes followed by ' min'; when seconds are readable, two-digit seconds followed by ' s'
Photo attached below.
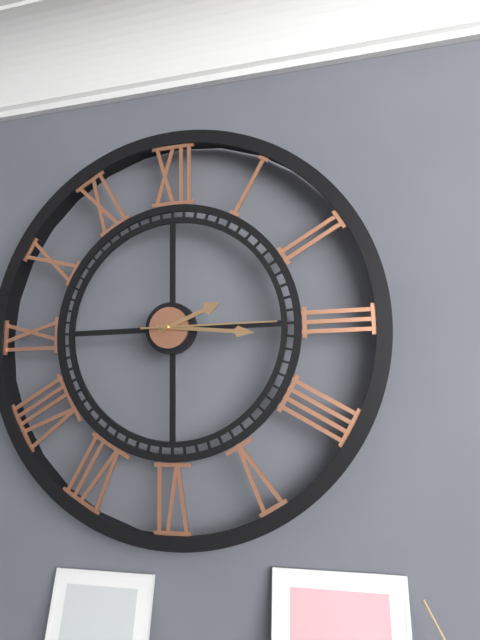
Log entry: 2 h 16 min 15 s
